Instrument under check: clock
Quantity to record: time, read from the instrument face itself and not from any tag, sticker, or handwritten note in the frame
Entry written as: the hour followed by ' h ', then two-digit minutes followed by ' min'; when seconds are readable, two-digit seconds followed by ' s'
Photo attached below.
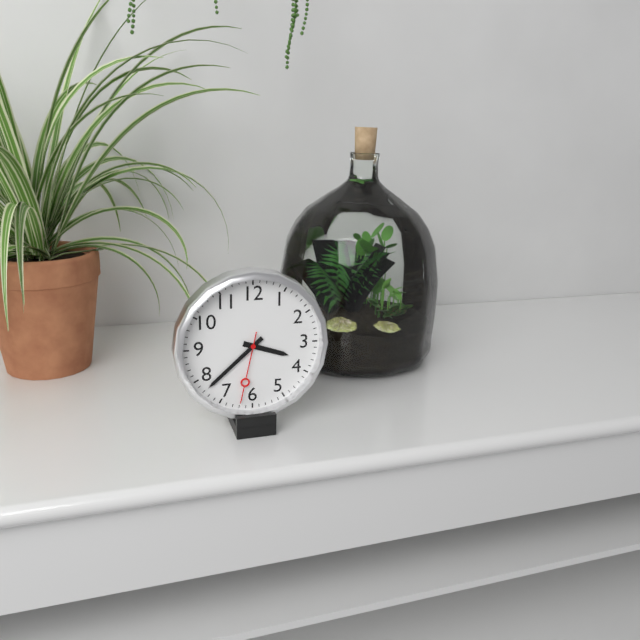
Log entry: 3 h 38 min 32 s
